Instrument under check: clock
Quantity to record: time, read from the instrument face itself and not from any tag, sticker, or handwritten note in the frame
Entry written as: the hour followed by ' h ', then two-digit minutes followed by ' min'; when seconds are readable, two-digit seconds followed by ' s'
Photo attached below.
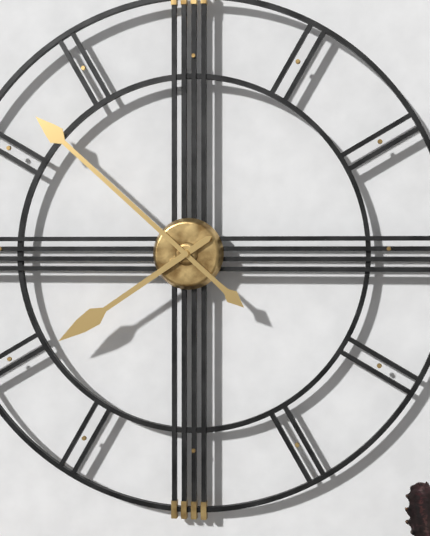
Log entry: 7 h 52 min
